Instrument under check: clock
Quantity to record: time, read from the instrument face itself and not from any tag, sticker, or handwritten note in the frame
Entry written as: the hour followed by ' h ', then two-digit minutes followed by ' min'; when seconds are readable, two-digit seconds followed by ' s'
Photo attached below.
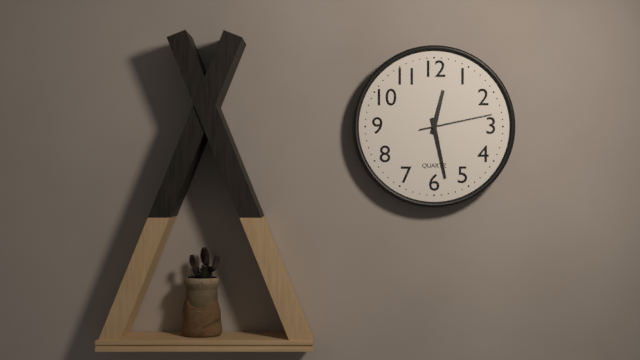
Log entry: 12 h 28 min 13 s
